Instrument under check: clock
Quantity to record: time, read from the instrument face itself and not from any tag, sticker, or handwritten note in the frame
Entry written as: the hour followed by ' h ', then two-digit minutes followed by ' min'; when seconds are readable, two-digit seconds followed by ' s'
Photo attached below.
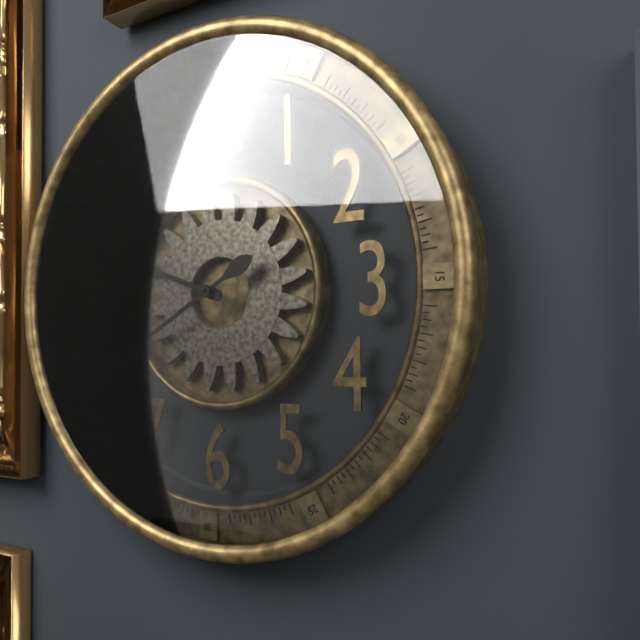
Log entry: 9 h 40 min
